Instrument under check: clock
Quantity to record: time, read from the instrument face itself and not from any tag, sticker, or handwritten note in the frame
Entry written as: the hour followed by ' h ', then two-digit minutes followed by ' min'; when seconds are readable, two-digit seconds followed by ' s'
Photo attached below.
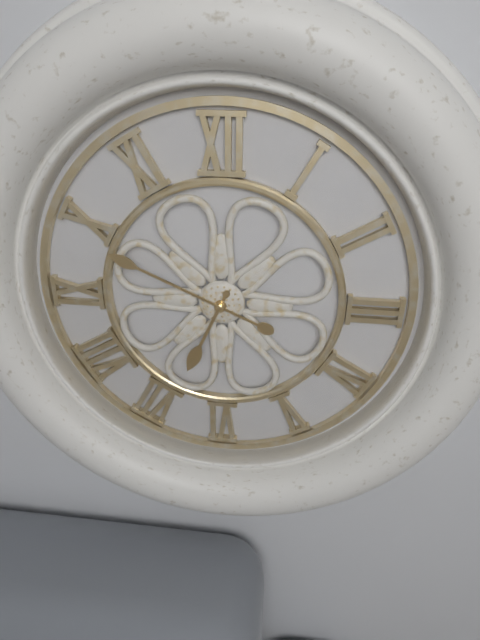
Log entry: 6 h 49 min
